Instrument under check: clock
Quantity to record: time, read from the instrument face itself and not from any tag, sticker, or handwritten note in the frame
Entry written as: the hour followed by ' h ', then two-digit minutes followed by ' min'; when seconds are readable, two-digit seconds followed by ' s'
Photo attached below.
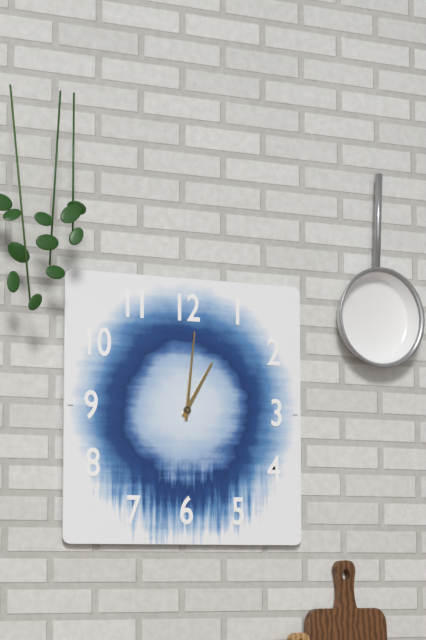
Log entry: 1 h 01 min
